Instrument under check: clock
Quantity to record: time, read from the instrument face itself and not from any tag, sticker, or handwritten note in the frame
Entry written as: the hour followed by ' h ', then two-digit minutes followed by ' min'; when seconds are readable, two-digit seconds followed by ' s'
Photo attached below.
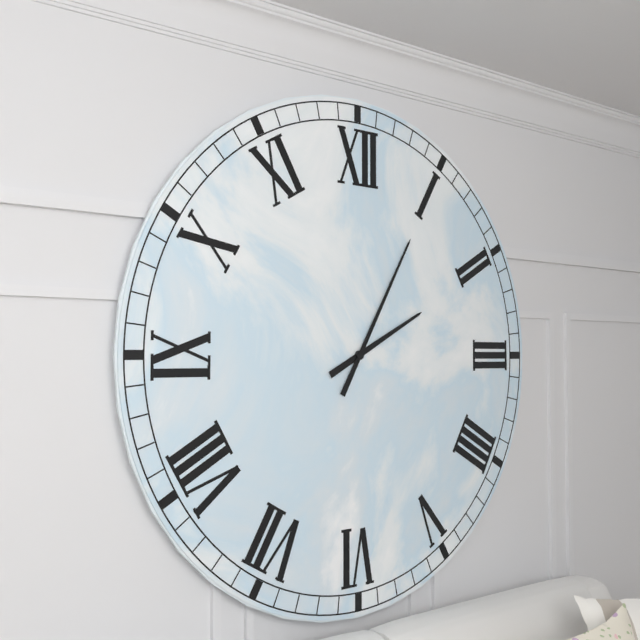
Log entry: 2 h 05 min
